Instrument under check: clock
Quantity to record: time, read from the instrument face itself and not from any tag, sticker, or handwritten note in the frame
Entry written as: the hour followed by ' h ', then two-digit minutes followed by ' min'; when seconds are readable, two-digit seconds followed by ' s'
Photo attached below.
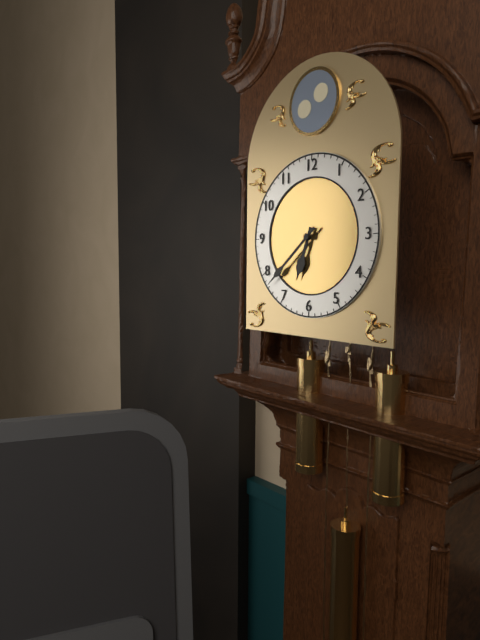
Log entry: 6 h 38 min
